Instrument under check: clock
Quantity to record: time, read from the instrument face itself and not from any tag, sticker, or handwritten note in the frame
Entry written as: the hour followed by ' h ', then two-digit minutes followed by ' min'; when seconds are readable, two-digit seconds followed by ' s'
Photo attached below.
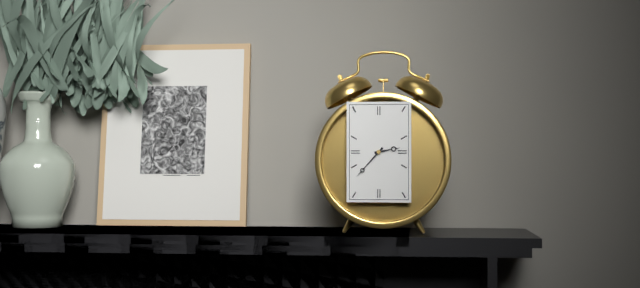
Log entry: 2 h 37 min
